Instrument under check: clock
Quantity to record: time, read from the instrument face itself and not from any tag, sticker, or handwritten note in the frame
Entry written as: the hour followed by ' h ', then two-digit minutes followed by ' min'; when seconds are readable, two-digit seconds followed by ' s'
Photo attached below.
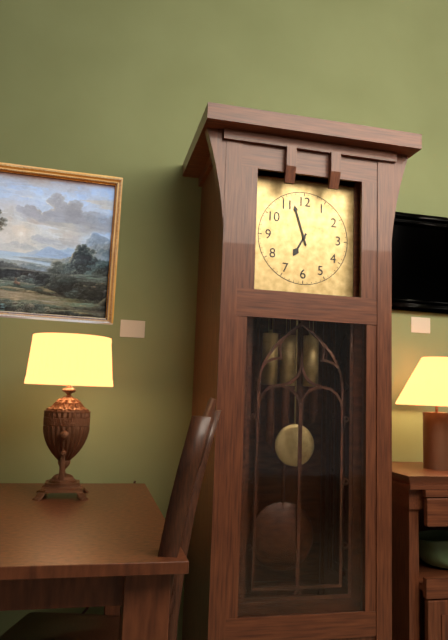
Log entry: 6 h 57 min
